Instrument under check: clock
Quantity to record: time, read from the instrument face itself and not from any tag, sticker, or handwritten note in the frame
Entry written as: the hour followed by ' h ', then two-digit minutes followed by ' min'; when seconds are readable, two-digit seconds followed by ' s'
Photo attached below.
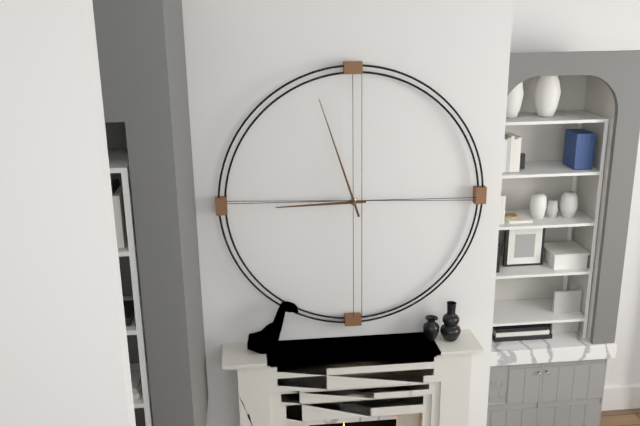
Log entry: 8 h 57 min
